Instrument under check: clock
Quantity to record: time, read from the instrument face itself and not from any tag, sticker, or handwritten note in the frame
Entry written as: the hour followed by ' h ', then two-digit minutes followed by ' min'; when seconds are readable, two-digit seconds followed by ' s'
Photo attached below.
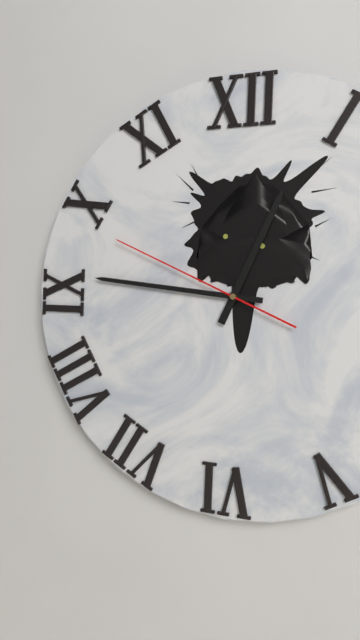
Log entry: 12 h 46 min 49 s
